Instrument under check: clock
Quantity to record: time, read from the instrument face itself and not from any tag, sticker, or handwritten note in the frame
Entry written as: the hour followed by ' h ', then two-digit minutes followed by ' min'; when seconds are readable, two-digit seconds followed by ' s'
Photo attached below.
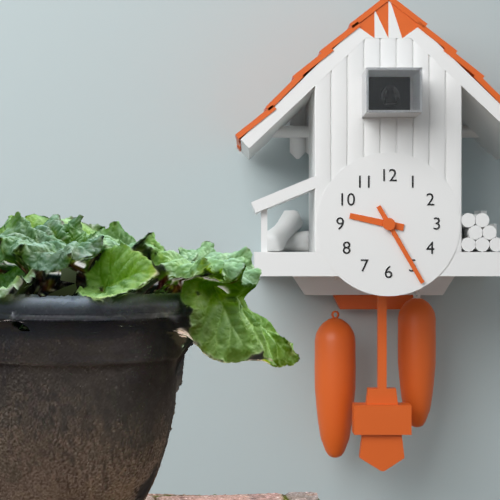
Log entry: 9 h 25 min
